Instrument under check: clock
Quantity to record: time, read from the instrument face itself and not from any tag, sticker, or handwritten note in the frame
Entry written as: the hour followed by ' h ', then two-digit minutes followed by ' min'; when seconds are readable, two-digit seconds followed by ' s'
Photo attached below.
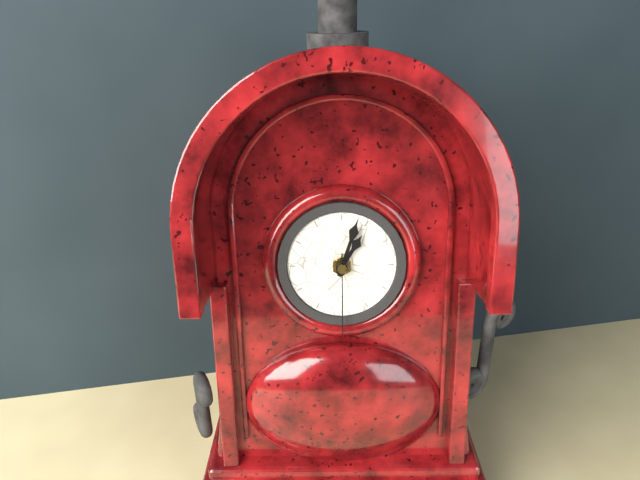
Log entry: 1 h 03 min 30 s
